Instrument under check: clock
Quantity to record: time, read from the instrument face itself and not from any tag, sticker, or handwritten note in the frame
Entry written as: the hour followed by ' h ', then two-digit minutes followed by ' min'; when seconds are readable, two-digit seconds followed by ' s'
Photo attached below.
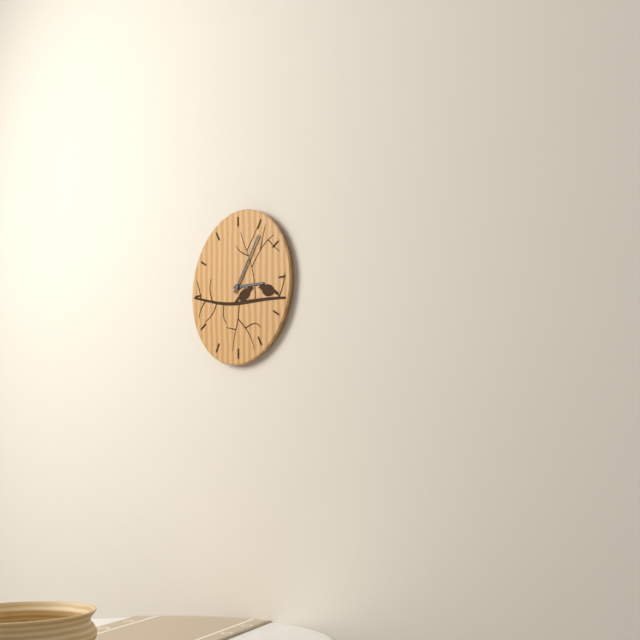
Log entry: 3 h 06 min
